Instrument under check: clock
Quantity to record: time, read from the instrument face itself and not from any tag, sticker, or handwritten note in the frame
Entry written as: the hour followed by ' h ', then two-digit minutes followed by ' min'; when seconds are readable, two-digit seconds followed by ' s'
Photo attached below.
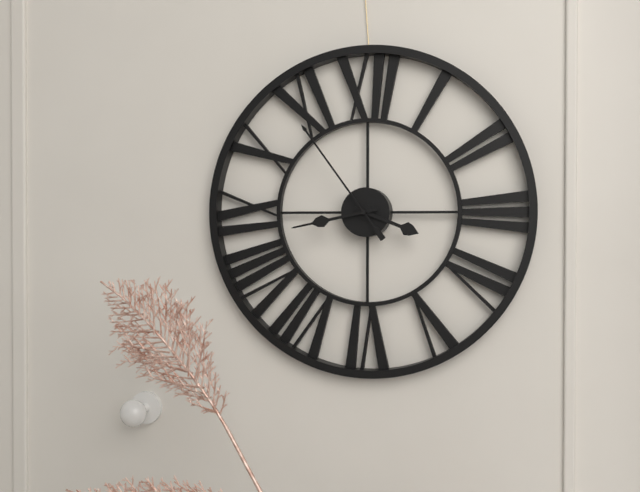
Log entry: 3 h 43 min 54 s
